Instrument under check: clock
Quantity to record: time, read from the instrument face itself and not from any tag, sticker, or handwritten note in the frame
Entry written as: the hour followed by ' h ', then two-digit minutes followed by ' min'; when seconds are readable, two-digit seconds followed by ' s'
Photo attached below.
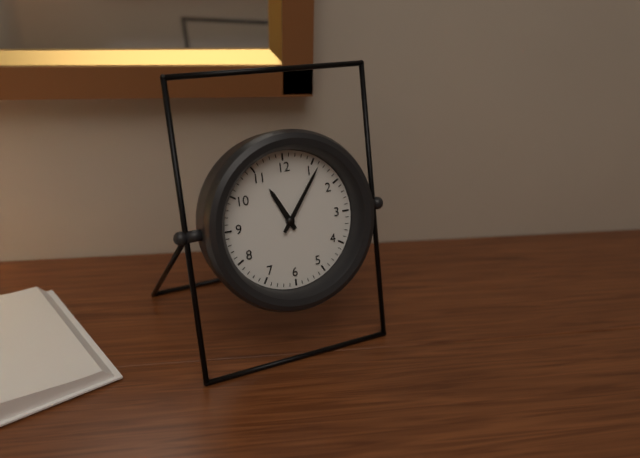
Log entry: 11 h 06 min
